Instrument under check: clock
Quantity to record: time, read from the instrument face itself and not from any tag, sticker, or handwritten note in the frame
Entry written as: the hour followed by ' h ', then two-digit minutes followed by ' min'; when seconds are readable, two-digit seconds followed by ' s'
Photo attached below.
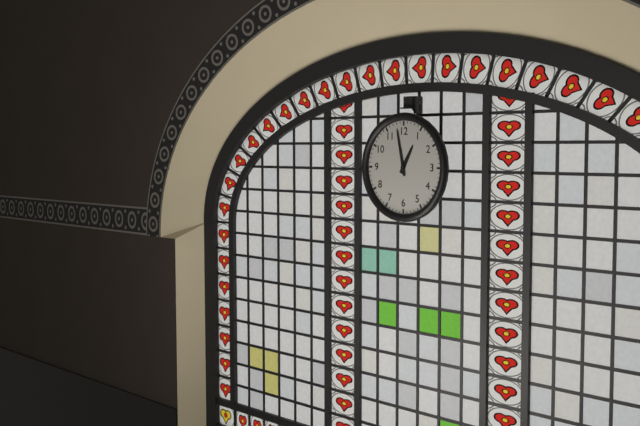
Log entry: 12 h 58 min
